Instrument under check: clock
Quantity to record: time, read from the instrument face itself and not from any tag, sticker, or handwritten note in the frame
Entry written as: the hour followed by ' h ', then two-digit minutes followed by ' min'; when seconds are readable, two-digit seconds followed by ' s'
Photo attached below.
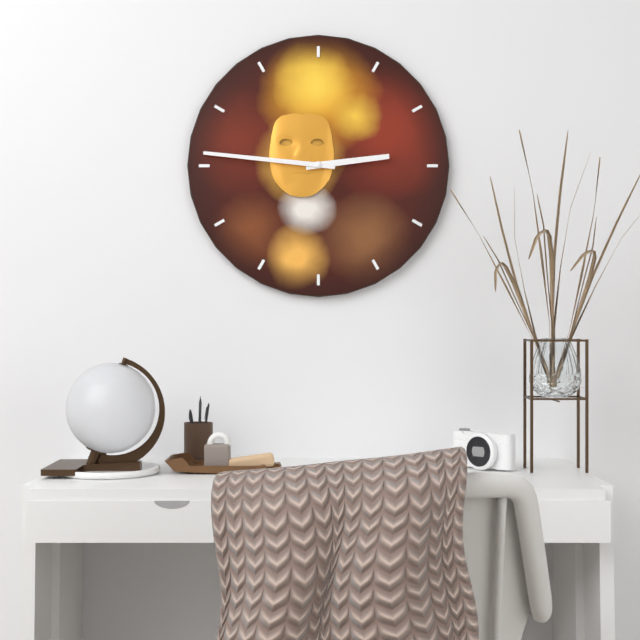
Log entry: 2 h 46 min
